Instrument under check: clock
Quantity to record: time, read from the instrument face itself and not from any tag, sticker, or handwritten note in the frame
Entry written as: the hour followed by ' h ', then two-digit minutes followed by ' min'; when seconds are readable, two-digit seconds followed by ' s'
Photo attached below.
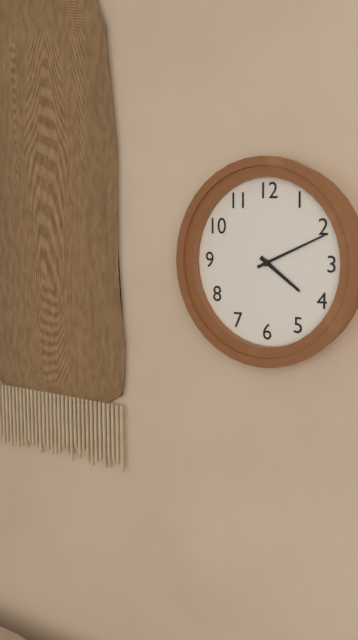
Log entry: 4 h 11 min
